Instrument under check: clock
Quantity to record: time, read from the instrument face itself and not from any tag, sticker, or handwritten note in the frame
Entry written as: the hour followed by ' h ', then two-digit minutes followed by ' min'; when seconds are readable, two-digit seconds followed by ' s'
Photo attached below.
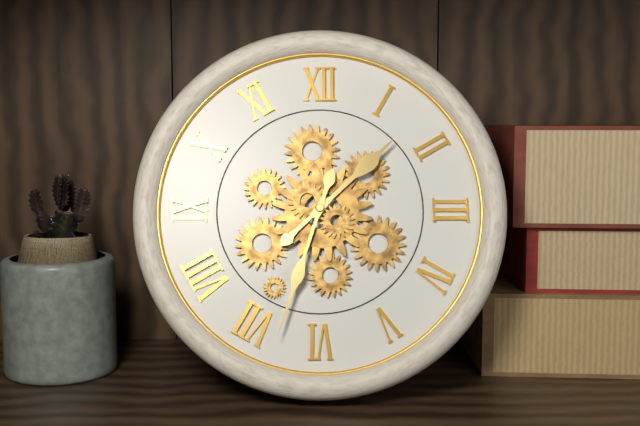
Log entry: 1 h 33 min
